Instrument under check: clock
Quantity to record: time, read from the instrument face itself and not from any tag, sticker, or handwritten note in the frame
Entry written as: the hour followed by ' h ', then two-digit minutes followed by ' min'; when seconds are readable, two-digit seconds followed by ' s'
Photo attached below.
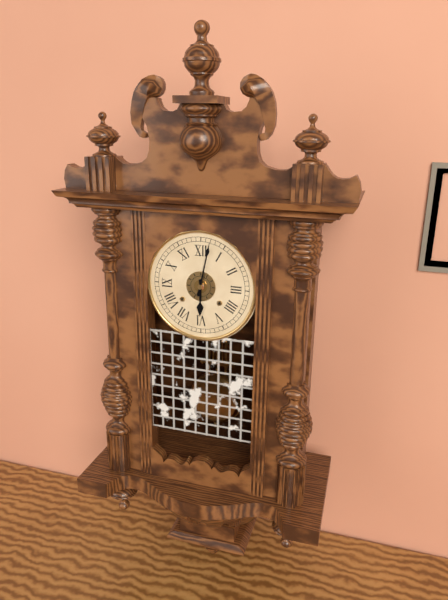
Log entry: 6 h 02 min
